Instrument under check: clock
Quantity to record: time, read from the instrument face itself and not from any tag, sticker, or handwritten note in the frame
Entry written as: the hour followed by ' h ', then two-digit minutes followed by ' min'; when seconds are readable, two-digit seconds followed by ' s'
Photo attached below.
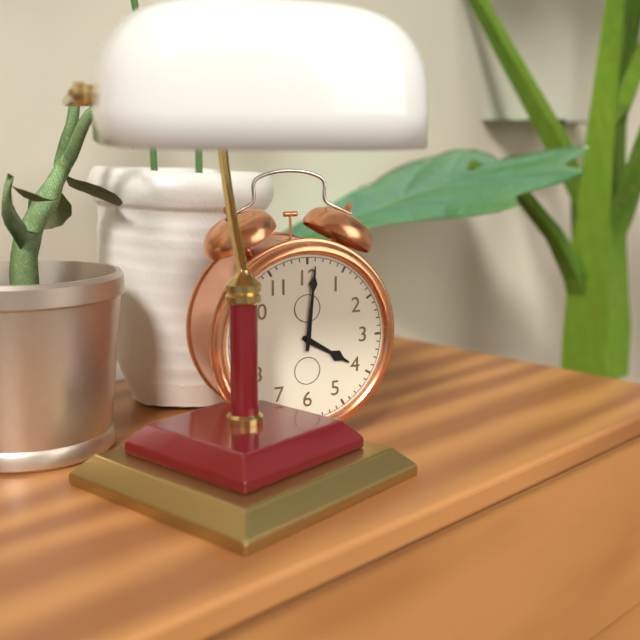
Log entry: 4 h 01 min
